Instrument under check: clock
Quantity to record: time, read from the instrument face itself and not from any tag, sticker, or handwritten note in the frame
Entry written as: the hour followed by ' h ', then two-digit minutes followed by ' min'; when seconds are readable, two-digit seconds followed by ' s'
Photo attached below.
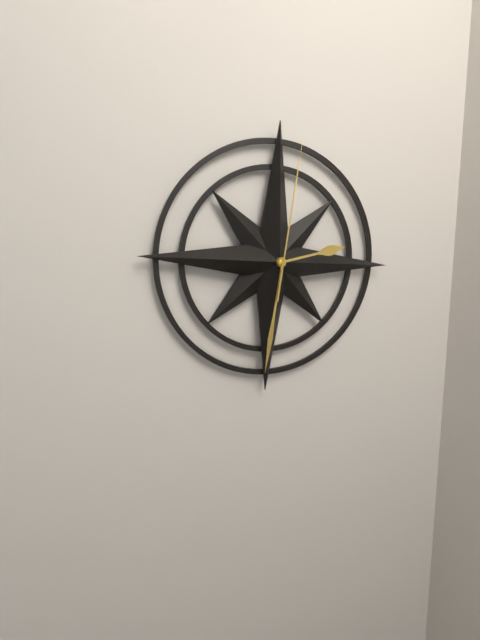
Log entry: 2 h 31 min 01 s
